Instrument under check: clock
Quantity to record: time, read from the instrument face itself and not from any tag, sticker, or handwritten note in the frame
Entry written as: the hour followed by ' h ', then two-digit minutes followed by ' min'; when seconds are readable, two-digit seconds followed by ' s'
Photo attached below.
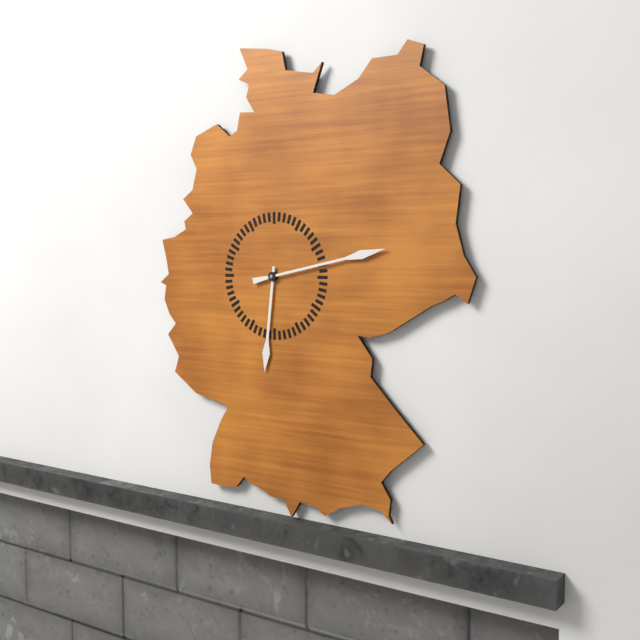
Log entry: 6 h 13 min
